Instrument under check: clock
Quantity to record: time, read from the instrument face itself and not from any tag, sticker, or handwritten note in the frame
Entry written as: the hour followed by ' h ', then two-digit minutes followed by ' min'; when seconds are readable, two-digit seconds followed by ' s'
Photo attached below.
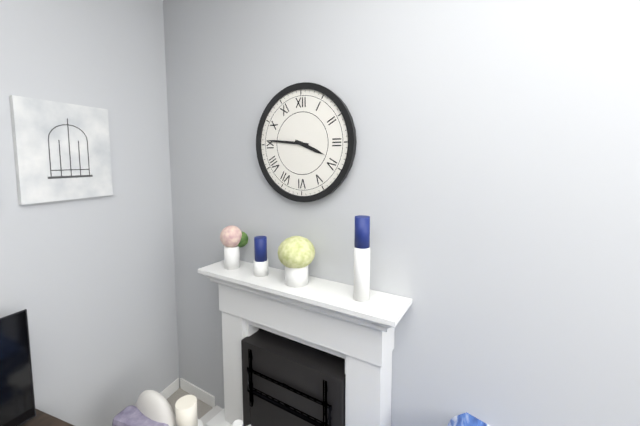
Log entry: 3 h 46 min
